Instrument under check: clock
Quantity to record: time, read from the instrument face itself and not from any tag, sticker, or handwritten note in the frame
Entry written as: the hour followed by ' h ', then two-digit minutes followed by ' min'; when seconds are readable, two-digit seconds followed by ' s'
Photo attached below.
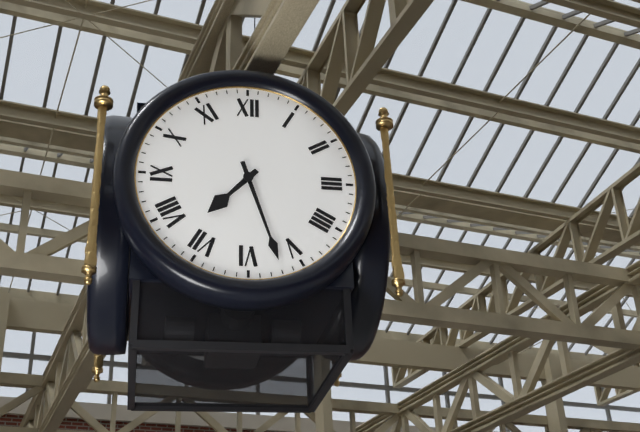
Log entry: 7 h 27 min
